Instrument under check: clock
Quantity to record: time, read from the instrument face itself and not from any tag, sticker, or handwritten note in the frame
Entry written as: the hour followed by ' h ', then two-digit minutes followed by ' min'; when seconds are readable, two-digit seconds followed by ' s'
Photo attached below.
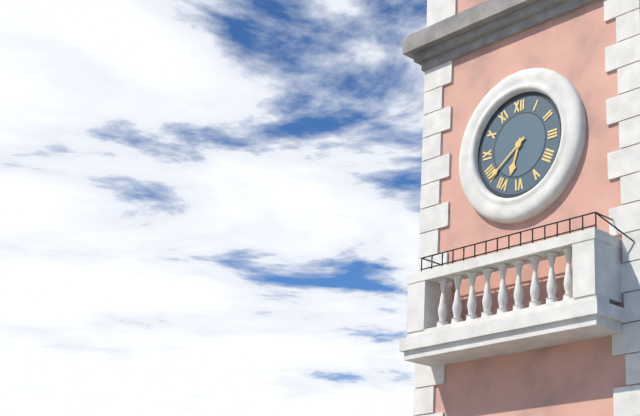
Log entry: 6 h 39 min
